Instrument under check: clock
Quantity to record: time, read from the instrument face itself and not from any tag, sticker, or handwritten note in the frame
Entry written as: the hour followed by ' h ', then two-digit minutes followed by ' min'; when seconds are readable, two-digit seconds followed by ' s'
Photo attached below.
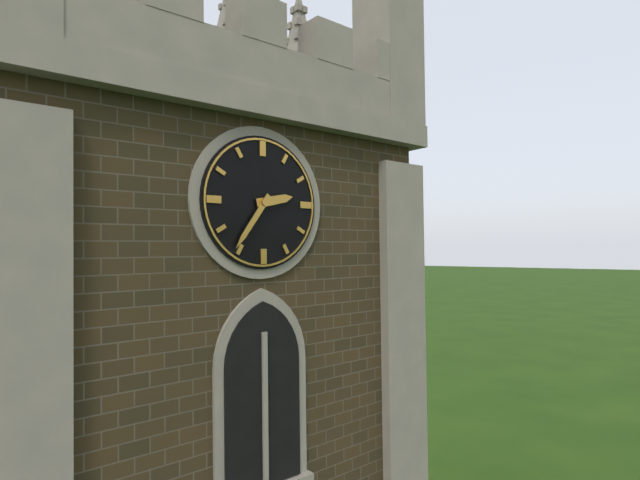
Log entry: 2 h 36 min
